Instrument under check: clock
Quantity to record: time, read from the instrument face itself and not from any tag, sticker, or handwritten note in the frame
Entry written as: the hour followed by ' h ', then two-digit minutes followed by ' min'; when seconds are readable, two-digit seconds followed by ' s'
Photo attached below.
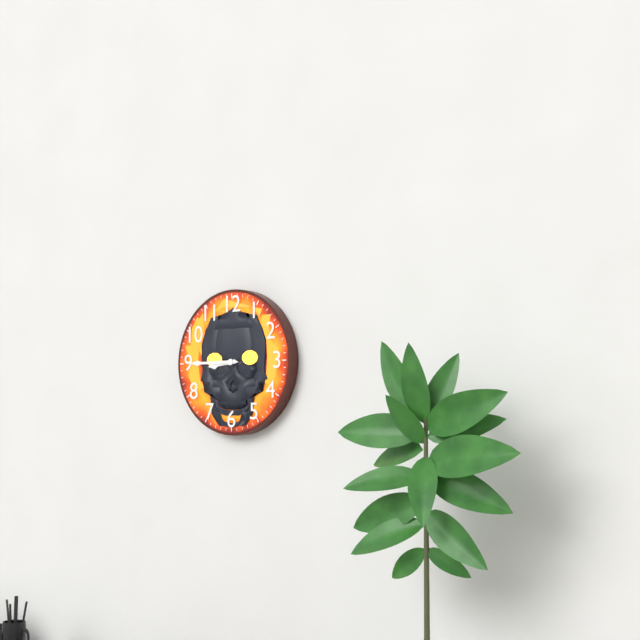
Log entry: 8 h 45 min
